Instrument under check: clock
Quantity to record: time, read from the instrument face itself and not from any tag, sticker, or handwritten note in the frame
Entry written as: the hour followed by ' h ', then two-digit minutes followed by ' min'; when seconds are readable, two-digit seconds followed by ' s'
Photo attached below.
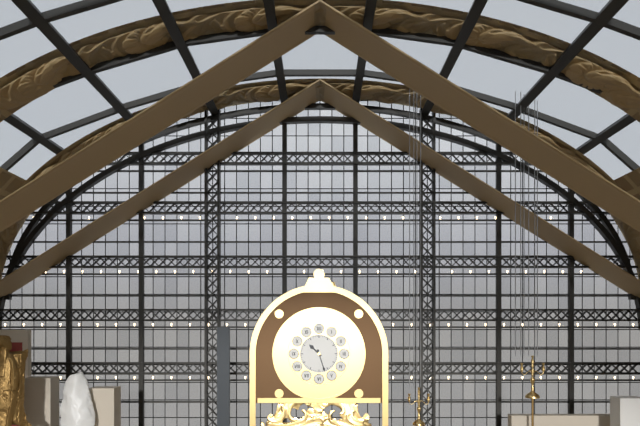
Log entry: 10 h 27 min
